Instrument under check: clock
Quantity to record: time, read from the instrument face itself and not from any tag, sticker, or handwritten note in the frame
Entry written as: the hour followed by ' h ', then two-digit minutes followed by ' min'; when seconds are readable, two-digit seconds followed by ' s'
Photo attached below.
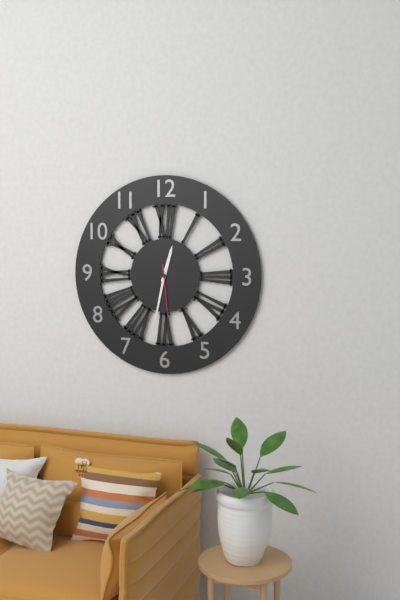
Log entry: 12 h 32 min 29 s
